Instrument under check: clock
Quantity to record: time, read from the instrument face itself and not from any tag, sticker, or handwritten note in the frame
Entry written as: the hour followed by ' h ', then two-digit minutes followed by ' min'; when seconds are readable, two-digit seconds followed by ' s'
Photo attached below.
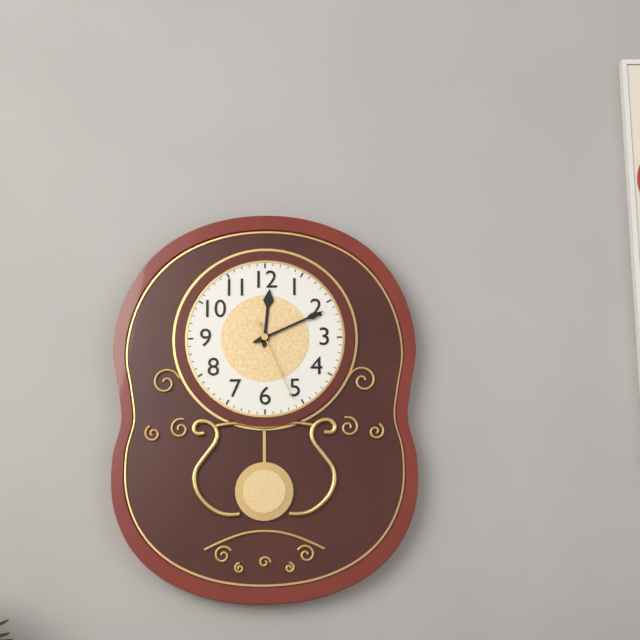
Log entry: 12 h 11 min 26 s
